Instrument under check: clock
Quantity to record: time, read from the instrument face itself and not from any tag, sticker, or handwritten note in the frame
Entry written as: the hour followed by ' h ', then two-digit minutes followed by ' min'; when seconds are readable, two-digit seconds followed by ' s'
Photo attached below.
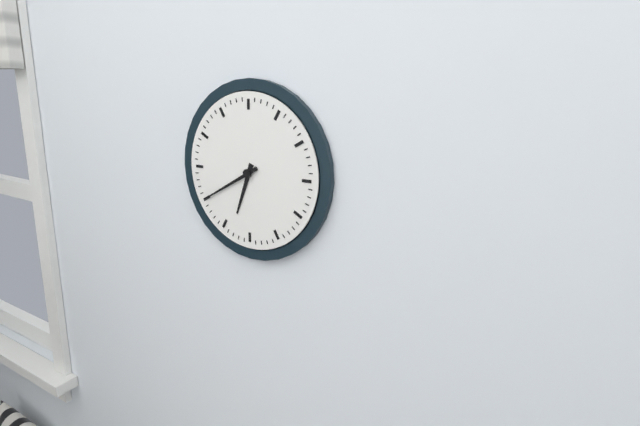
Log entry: 6 h 40 min
